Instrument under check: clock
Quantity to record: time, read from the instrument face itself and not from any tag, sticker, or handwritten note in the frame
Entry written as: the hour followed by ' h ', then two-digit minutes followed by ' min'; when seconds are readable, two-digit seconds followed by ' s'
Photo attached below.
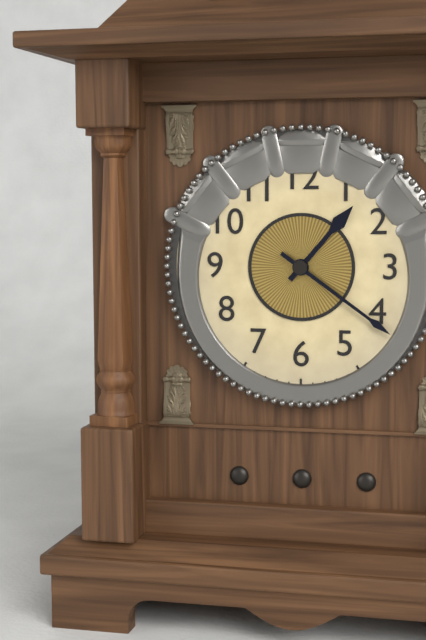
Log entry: 1 h 21 min
